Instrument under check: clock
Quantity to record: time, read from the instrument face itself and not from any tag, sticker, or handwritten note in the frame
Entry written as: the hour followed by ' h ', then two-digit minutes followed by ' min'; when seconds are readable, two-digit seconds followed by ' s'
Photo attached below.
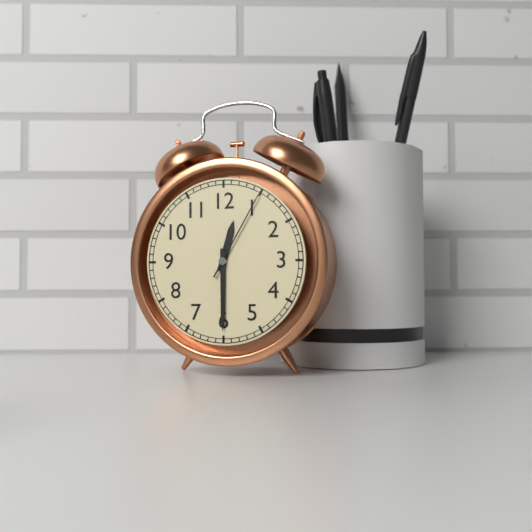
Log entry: 12 h 30 min 05 s
